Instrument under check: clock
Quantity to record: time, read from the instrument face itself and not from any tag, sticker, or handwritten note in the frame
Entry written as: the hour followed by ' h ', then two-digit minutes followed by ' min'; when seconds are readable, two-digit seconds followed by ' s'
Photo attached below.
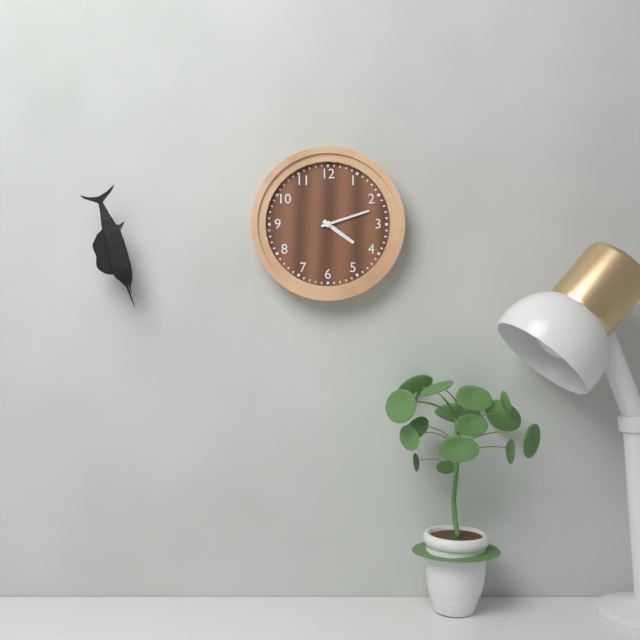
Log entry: 4 h 12 min
